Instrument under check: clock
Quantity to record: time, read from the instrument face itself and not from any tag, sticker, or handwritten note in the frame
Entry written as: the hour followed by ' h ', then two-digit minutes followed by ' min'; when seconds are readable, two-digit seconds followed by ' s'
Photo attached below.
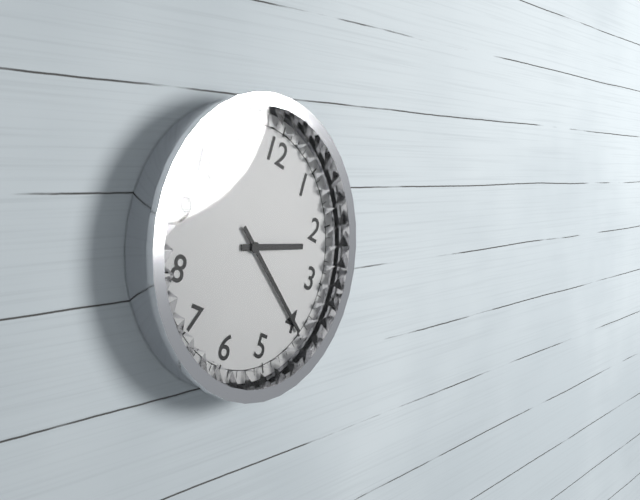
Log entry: 2 h 20 min
